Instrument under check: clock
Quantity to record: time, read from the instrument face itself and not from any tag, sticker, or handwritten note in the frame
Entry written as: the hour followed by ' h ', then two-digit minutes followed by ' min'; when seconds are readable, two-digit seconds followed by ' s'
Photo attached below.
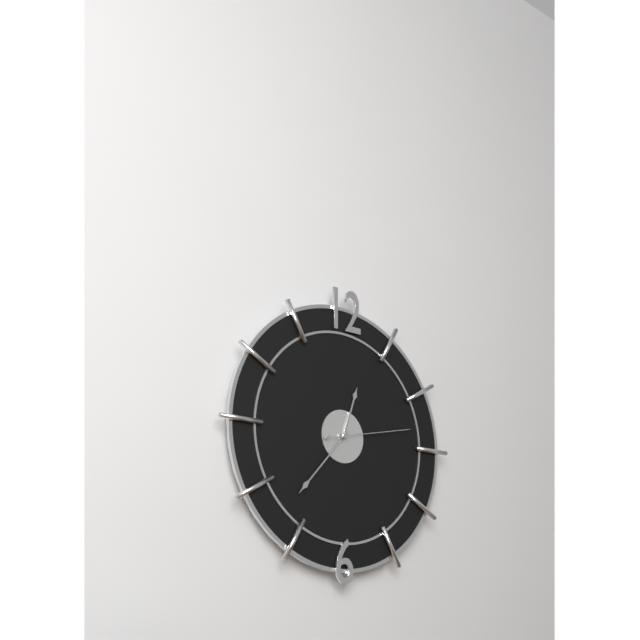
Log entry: 12 h 37 min 13 s
